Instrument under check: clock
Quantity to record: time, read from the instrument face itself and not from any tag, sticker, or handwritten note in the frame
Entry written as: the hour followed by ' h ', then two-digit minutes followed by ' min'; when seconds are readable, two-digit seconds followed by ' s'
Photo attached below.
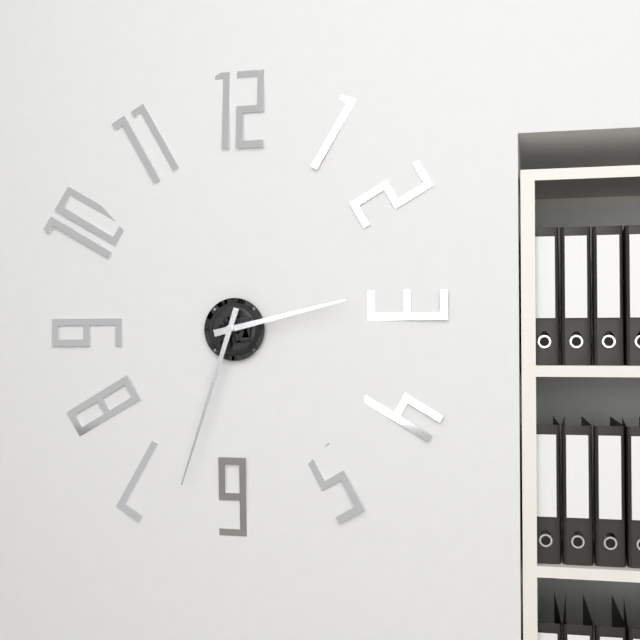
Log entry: 2 h 33 min
